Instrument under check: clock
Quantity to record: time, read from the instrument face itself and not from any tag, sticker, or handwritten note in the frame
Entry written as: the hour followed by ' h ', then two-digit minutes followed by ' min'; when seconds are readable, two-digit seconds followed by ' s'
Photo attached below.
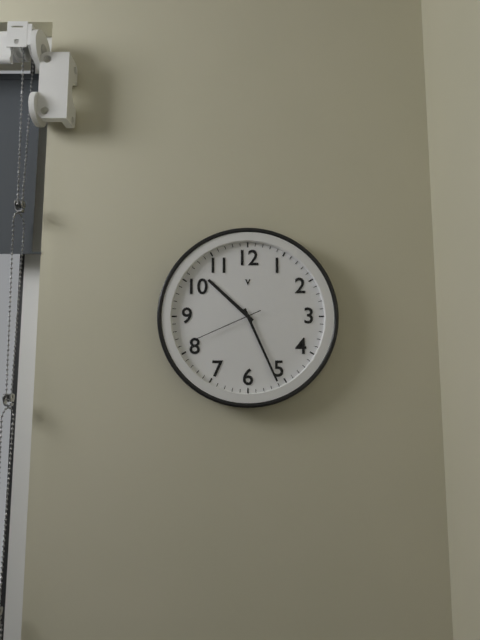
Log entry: 10 h 26 min 41 s
